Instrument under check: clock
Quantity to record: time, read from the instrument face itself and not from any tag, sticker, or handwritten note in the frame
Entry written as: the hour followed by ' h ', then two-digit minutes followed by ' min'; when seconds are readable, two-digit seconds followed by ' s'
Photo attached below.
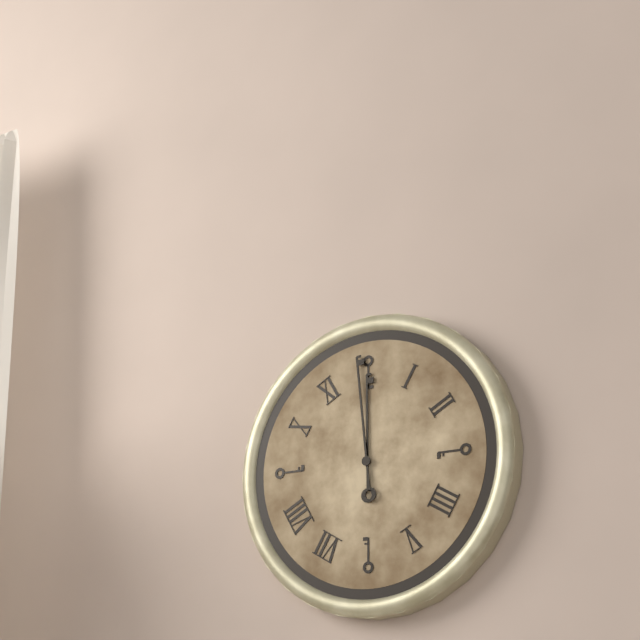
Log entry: 11 h 59 min
